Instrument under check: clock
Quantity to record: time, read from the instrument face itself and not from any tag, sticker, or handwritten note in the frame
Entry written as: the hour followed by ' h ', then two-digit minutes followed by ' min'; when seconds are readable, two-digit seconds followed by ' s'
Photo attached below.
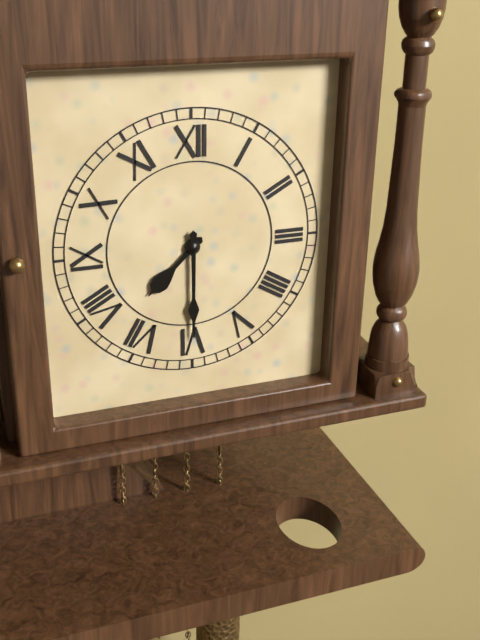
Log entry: 7 h 30 min
